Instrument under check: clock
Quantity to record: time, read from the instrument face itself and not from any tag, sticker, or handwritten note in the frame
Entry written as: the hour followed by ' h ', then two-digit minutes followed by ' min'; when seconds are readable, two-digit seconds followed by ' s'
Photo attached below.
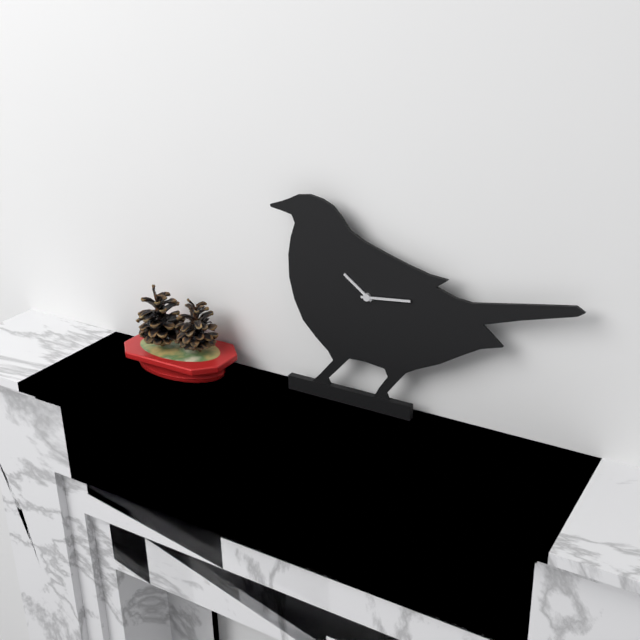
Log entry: 10 h 14 min
